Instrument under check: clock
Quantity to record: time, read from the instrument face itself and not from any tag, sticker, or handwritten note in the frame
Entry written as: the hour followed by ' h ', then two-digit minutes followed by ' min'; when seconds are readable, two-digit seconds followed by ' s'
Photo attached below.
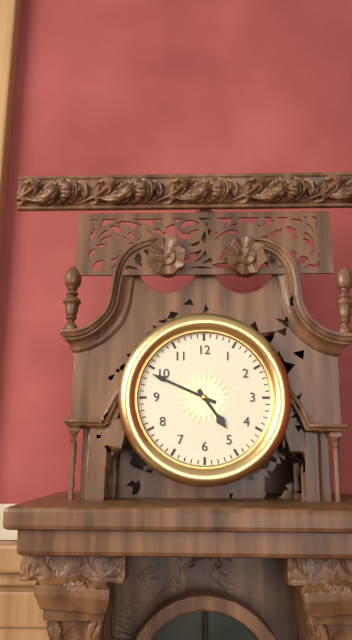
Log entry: 4 h 49 min
